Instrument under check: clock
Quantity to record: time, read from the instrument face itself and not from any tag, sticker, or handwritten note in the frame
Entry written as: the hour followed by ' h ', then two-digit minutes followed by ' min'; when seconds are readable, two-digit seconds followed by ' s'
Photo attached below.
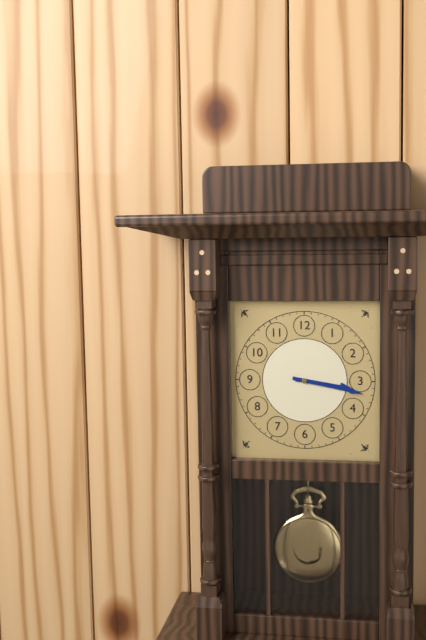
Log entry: 3 h 17 min
